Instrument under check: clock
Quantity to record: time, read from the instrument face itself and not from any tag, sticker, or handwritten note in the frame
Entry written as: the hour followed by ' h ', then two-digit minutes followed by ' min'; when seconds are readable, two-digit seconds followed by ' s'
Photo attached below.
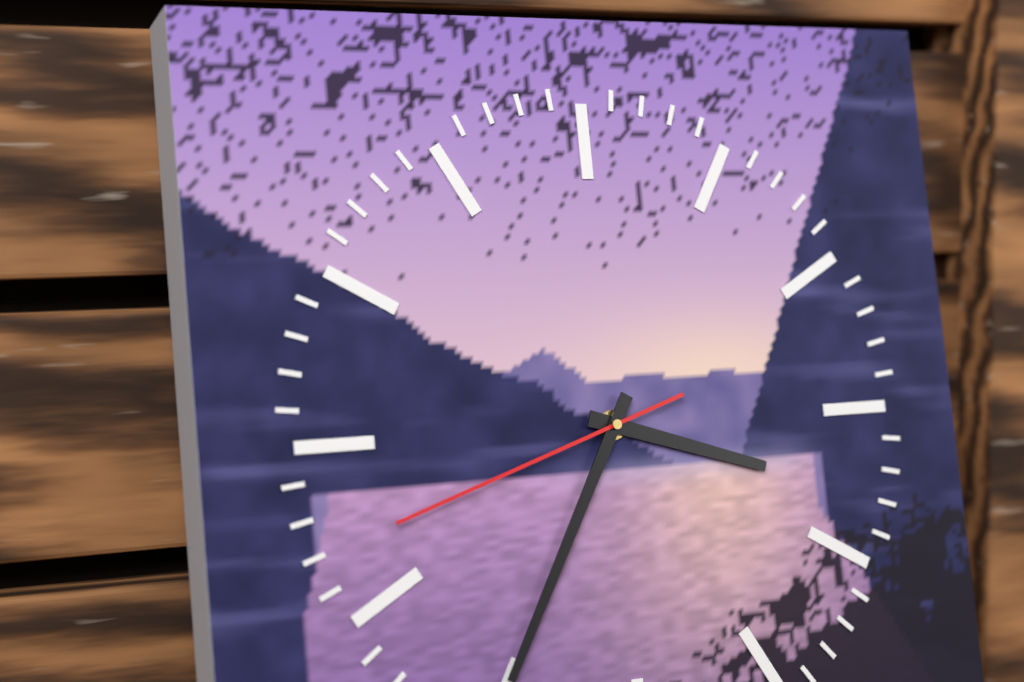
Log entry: 3 h 35 min 42 s
